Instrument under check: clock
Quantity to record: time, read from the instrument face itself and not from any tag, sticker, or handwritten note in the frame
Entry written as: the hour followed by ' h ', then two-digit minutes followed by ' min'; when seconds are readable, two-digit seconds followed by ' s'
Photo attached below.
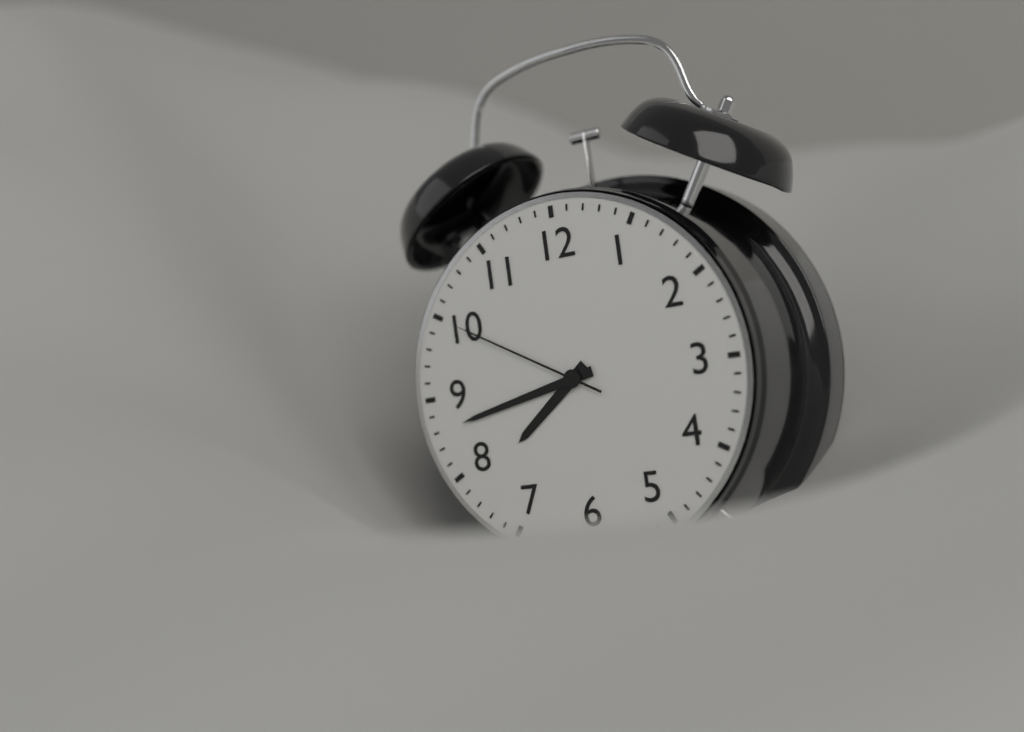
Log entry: 7 h 43 min 50 s
